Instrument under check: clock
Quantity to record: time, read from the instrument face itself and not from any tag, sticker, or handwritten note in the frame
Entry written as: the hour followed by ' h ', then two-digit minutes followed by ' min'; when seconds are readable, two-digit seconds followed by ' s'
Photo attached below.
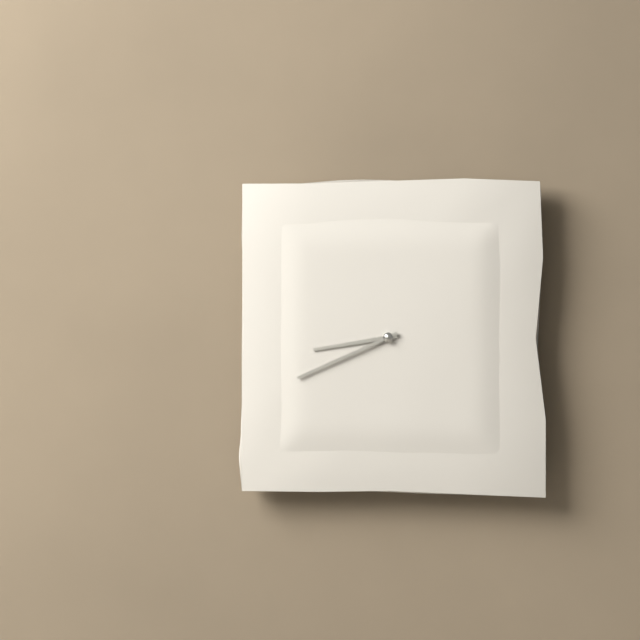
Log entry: 8 h 41 min
